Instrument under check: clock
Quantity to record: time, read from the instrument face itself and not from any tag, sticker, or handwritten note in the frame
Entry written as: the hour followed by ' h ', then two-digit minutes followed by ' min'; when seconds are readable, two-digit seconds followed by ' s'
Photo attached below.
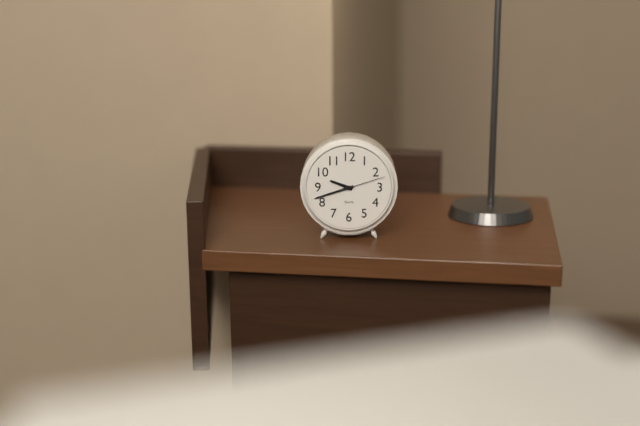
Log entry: 9 h 42 min
